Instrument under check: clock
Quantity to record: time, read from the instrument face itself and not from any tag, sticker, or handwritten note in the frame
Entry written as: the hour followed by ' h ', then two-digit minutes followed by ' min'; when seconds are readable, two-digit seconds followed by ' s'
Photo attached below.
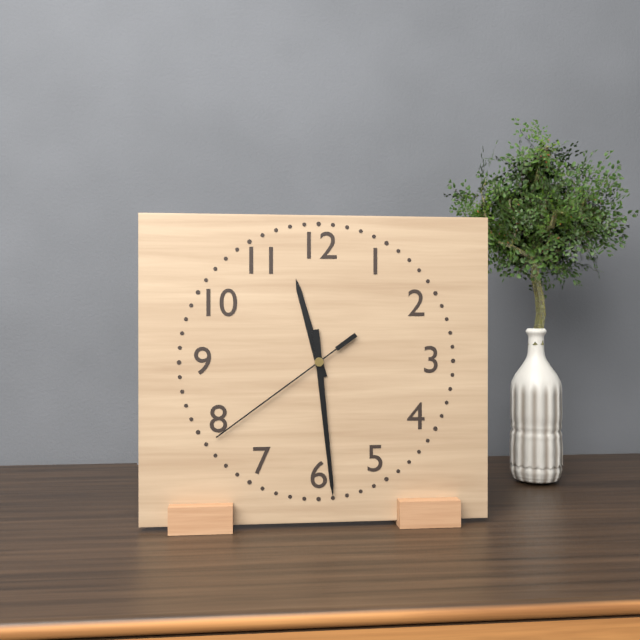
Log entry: 11 h 29 min 39 s
